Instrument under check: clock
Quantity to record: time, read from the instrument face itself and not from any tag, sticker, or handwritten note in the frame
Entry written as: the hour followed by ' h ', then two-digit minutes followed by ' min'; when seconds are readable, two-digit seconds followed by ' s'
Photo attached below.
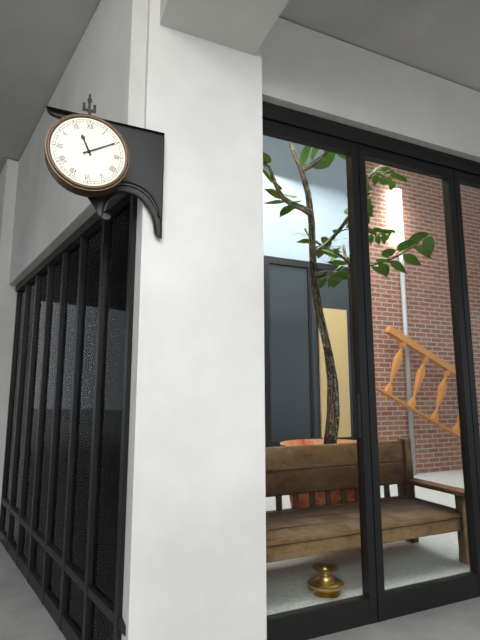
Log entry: 11 h 10 min
